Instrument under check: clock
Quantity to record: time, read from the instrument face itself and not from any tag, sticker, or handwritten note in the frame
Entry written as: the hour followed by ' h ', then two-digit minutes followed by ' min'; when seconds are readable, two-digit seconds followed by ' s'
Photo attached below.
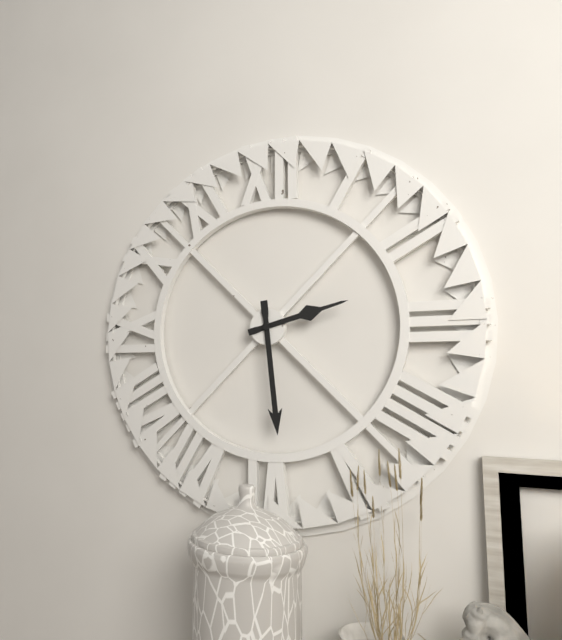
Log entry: 2 h 29 min
